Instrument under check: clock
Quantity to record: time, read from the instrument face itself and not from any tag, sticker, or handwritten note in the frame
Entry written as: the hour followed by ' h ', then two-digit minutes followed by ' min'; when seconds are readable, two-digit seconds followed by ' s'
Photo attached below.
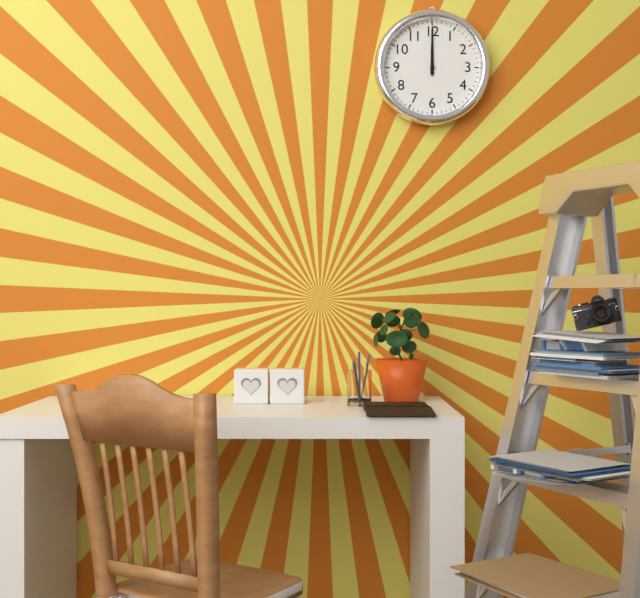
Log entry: 12 h 00 min
